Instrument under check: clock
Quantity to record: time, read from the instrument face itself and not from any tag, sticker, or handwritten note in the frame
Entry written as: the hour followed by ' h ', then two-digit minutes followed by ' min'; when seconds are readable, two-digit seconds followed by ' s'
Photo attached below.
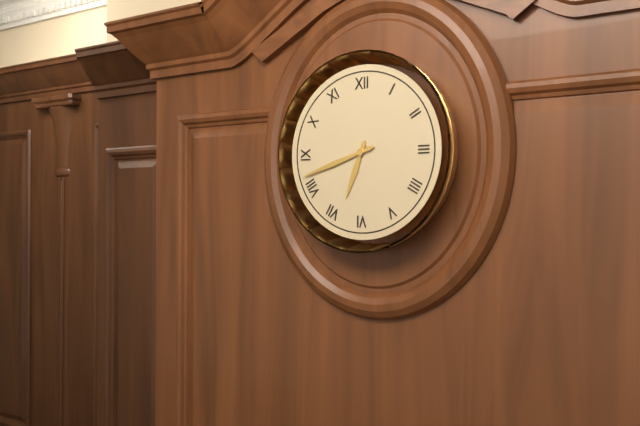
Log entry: 6 h 42 min
